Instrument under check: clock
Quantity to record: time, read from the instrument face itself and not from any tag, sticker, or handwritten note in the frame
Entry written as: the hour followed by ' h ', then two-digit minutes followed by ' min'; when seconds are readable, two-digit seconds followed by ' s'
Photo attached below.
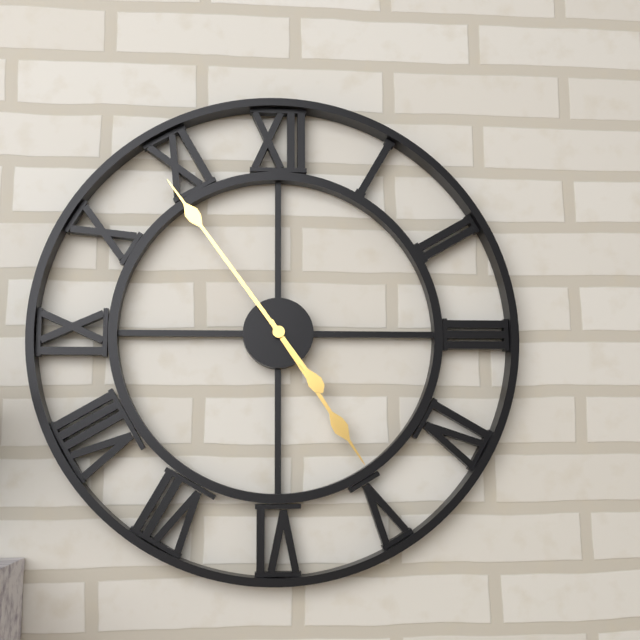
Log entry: 4 h 54 min
